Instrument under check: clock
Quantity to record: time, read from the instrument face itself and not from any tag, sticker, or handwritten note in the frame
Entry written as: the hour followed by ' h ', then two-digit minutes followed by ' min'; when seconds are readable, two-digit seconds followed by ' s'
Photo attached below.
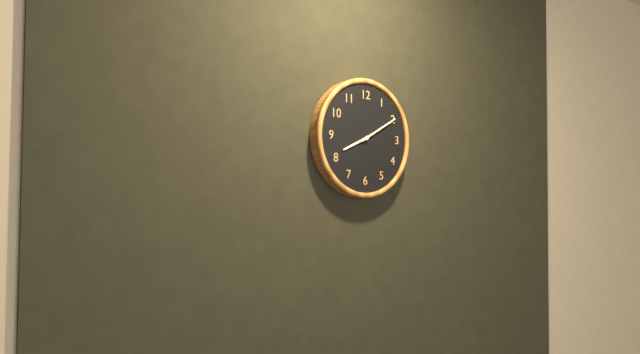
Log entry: 8 h 10 min
